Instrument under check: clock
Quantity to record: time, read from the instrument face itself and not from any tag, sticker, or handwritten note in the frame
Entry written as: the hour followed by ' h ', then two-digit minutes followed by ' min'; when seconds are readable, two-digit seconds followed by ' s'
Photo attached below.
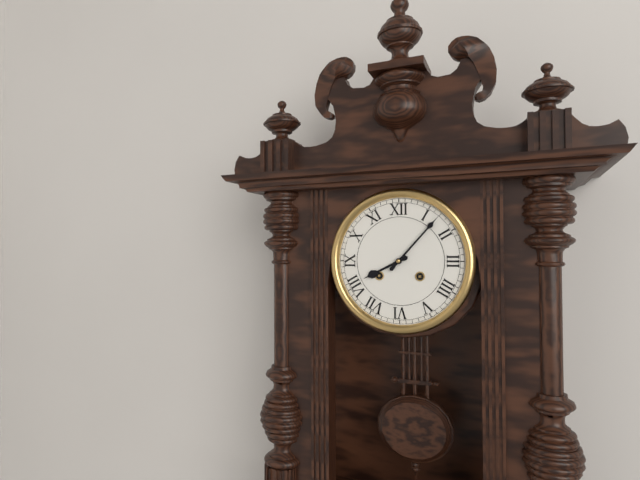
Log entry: 8 h 07 min
